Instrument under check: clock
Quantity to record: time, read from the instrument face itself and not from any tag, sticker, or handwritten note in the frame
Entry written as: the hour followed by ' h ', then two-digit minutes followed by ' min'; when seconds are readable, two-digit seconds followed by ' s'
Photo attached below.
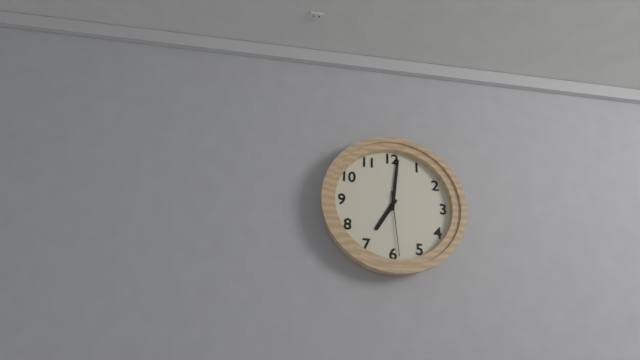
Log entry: 7 h 01 min 29 s
